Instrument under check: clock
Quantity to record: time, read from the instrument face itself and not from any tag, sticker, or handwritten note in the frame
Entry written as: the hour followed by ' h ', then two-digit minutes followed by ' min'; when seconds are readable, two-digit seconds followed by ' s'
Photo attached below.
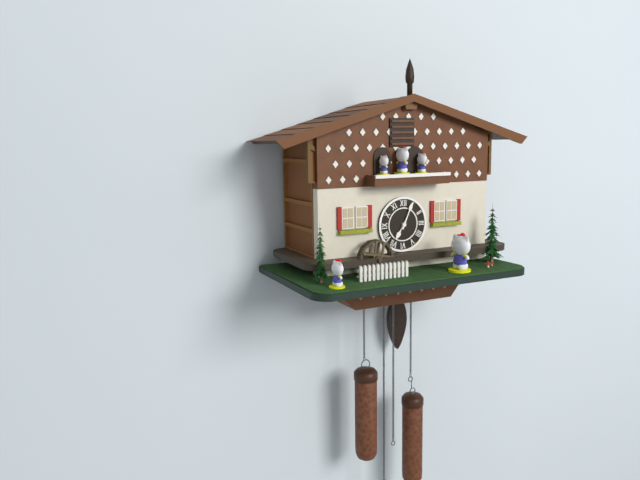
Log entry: 7 h 04 min
